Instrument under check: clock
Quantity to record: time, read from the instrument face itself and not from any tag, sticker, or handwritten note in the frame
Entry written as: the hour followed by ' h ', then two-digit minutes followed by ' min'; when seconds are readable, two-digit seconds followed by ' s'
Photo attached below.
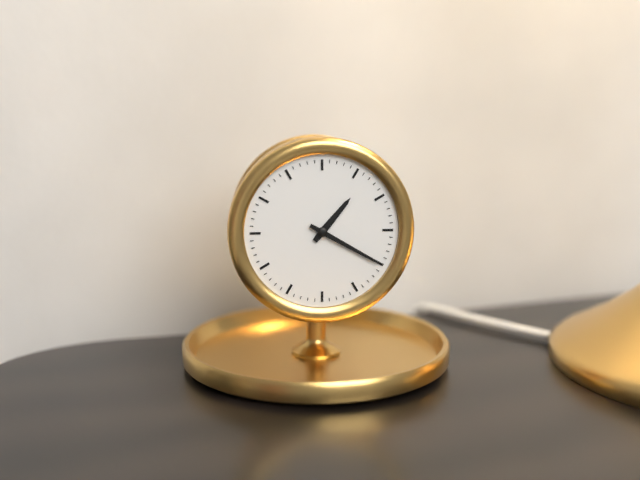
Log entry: 1 h 20 min
